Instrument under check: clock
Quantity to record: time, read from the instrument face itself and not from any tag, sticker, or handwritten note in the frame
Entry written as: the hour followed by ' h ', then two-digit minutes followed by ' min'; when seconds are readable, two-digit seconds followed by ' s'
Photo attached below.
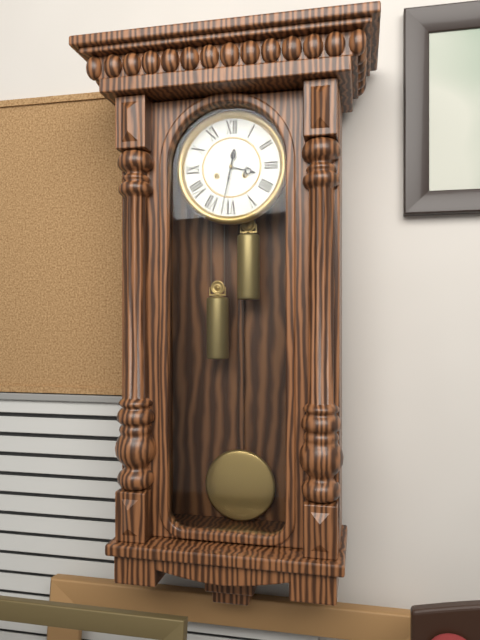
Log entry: 3 h 32 min
